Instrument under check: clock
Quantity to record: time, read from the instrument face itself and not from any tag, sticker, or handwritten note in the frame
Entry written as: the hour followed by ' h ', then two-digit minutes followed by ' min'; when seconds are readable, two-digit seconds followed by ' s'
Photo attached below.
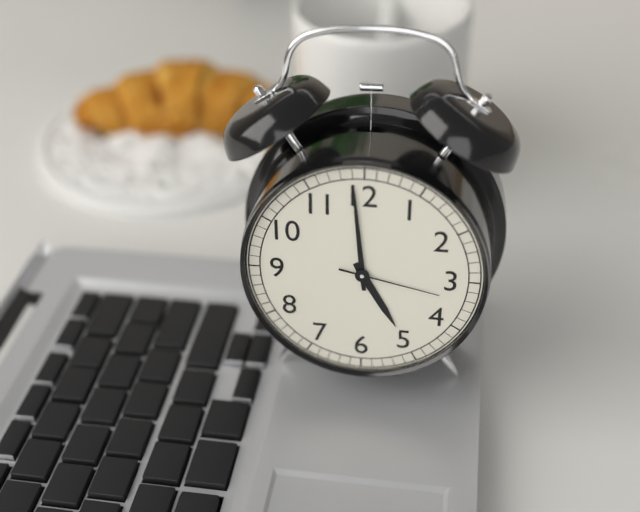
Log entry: 4 h 59 min 17 s
